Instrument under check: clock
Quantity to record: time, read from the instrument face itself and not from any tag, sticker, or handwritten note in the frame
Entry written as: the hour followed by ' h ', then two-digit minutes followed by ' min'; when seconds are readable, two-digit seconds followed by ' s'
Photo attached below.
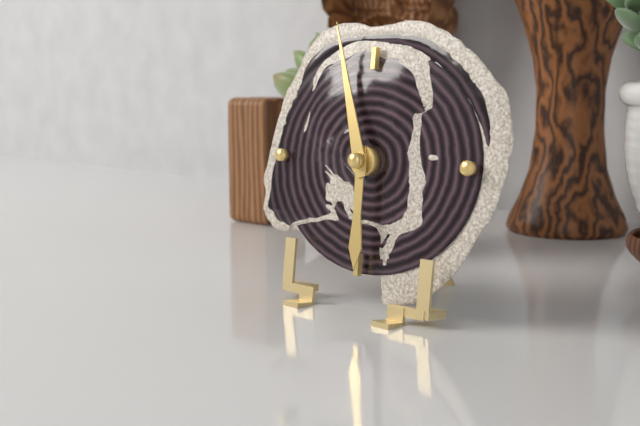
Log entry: 5 h 57 min
